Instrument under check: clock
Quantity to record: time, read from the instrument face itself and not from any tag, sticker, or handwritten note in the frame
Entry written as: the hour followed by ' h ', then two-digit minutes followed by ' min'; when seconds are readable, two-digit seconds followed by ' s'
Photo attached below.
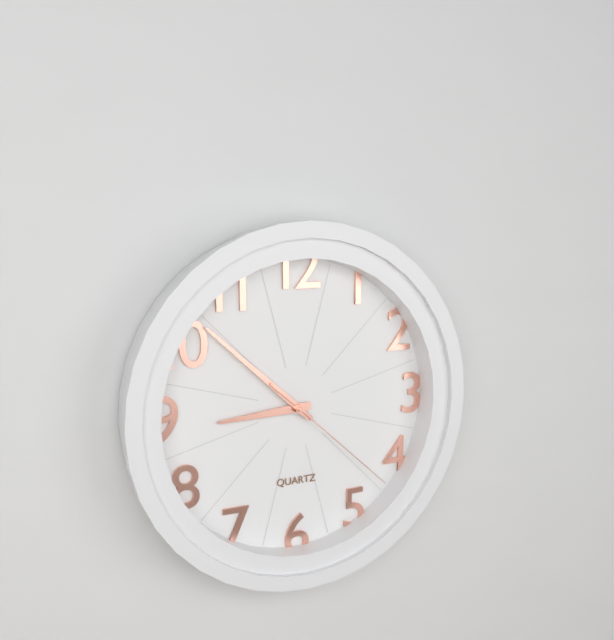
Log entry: 8 h 52 min 22 s
